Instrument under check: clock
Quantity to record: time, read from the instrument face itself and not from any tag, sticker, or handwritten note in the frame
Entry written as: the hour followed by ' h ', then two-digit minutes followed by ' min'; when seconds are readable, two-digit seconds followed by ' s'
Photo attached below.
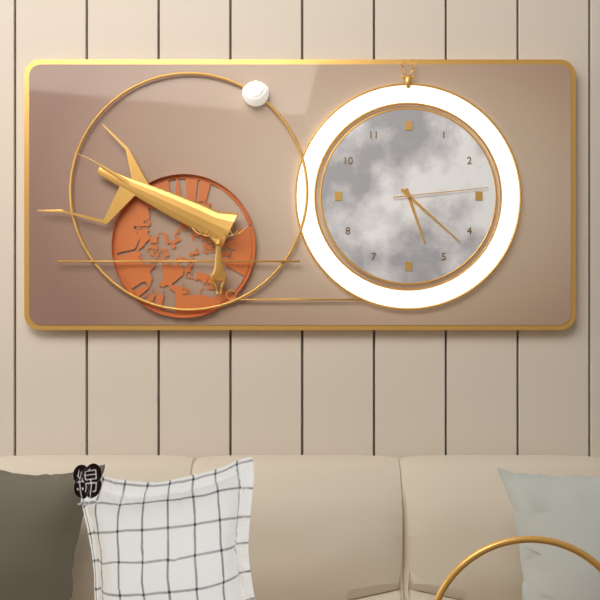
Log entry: 5 h 22 min 14 s
